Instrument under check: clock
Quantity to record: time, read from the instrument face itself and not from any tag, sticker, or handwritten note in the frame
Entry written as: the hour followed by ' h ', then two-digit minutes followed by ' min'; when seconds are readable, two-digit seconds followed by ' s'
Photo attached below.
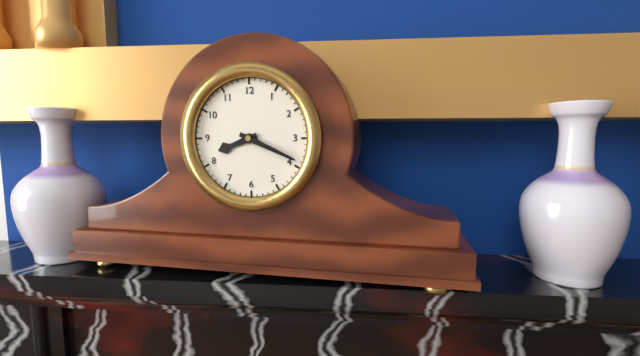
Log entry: 8 h 19 min
